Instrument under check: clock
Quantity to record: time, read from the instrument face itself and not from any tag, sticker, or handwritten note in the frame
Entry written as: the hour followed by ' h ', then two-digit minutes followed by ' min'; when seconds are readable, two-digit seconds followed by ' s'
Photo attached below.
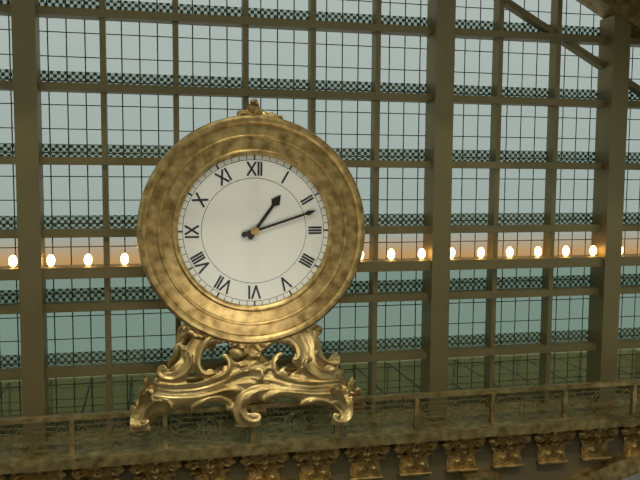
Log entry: 1 h 12 min
